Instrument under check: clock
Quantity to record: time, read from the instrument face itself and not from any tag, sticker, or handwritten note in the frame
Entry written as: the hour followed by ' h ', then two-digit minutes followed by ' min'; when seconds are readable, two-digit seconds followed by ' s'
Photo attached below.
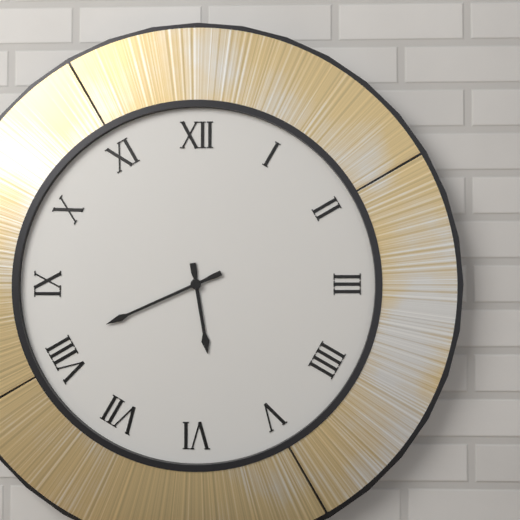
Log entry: 5 h 41 min
